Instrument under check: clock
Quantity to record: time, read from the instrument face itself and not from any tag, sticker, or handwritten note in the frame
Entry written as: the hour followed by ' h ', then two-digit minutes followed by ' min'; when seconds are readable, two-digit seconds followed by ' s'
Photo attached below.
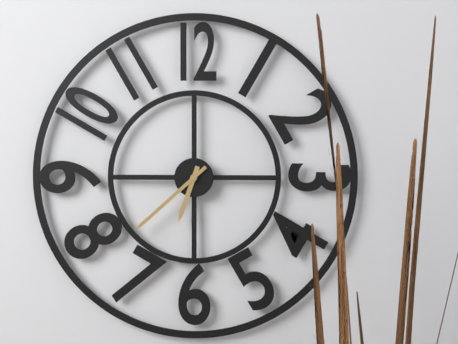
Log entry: 6 h 38 min
